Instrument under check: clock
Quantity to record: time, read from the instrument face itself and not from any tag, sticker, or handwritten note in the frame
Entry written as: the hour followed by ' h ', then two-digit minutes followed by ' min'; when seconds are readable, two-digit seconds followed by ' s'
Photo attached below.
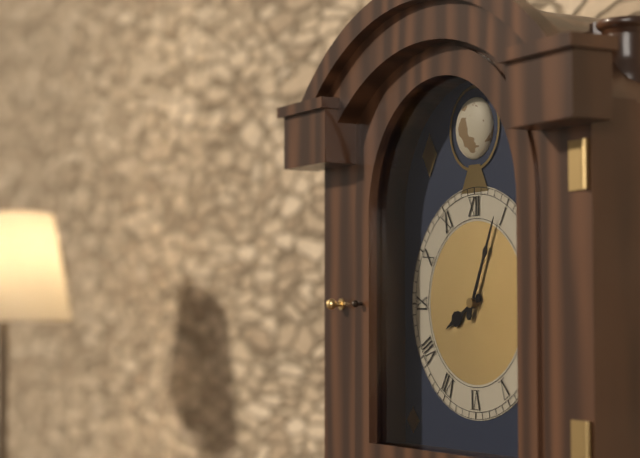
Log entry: 8 h 04 min
